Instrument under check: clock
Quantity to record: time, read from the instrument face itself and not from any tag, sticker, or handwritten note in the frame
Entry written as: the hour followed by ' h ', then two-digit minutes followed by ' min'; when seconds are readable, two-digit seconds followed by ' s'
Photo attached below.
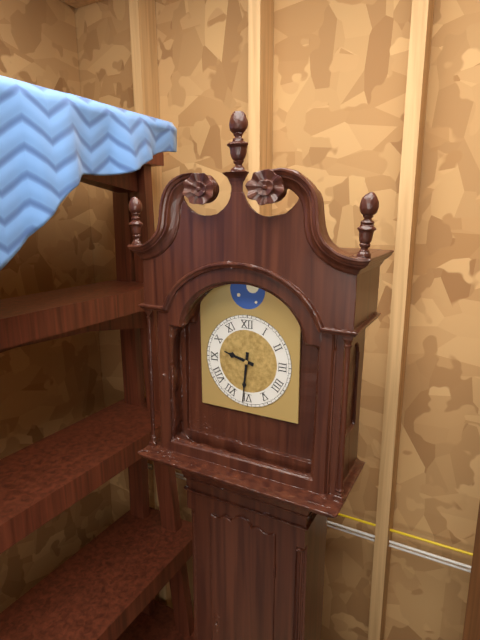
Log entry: 9 h 31 min
